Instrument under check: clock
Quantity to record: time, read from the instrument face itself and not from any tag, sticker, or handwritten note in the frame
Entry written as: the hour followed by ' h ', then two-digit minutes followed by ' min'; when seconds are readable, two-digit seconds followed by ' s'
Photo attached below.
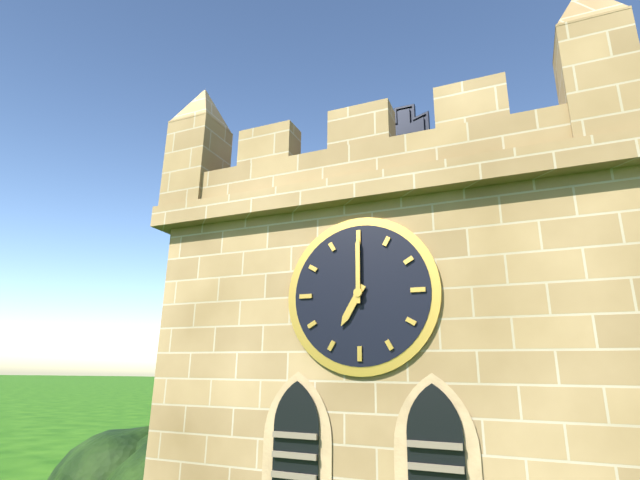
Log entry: 7 h 00 min
